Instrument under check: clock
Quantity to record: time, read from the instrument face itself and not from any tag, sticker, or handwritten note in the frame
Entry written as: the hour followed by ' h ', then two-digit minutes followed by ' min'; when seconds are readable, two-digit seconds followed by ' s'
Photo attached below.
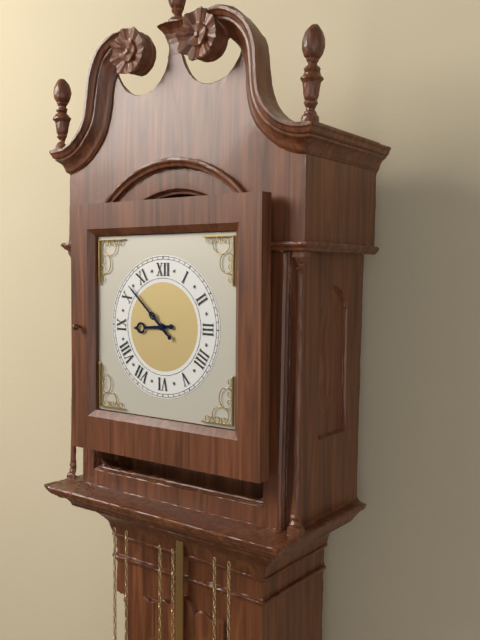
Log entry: 8 h 52 min
